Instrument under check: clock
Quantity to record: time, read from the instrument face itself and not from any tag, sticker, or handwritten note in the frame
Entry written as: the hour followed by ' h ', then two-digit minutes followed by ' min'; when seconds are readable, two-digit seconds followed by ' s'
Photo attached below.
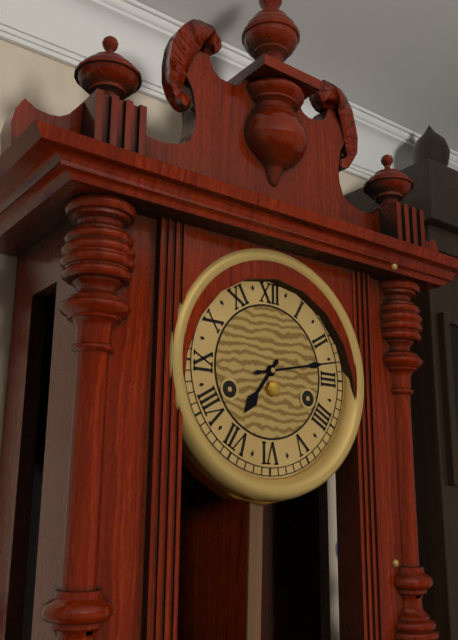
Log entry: 7 h 13 min
